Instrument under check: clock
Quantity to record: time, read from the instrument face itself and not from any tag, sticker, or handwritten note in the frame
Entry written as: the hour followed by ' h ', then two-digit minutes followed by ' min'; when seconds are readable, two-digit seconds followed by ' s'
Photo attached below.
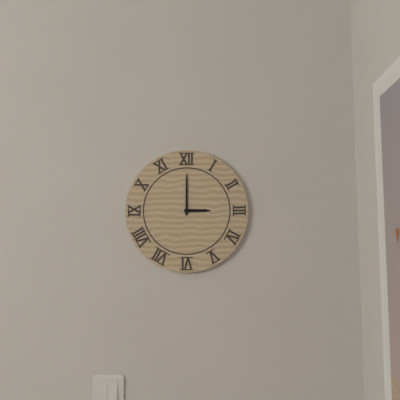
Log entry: 3 h 00 min
